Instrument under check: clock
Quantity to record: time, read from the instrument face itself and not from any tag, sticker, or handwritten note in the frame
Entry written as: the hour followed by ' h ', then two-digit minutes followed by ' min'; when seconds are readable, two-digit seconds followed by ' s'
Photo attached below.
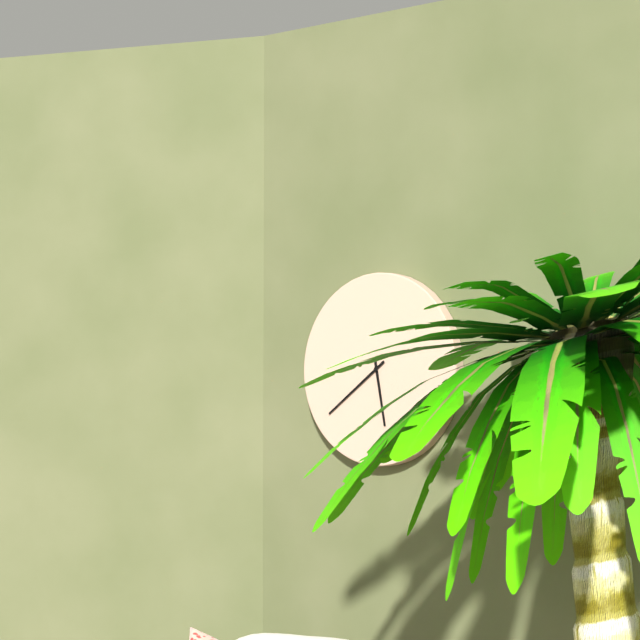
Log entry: 5 h 39 min
